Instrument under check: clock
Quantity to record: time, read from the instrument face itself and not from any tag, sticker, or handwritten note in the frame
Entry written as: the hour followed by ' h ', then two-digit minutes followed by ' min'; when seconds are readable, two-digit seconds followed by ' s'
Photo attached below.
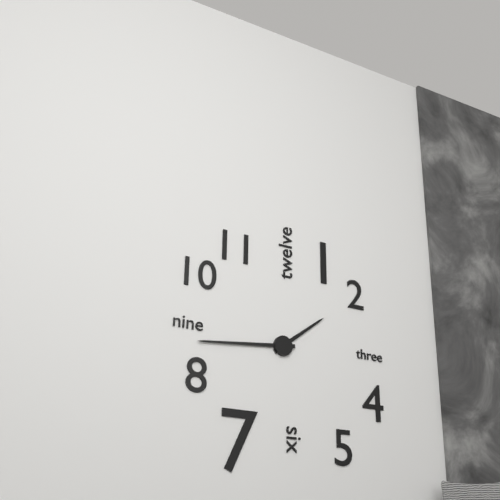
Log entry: 1 h 44 min
